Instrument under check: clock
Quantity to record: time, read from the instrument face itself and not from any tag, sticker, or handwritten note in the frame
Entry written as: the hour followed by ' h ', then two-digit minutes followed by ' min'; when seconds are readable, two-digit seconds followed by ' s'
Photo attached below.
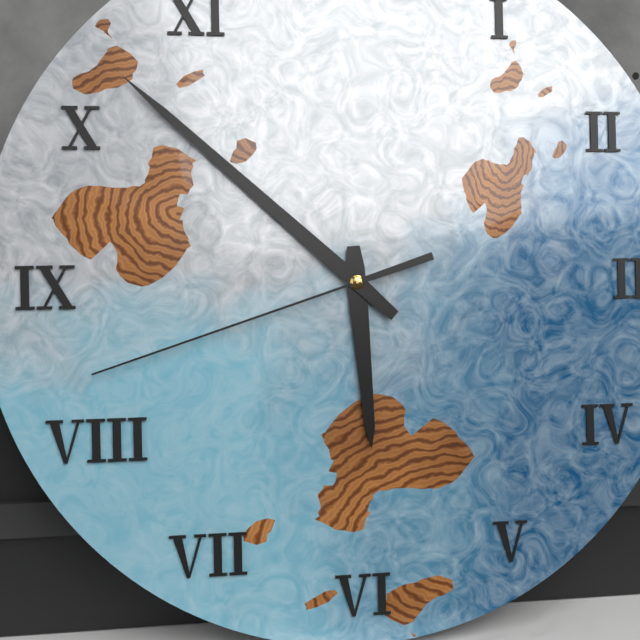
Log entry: 5 h 52 min 42 s
